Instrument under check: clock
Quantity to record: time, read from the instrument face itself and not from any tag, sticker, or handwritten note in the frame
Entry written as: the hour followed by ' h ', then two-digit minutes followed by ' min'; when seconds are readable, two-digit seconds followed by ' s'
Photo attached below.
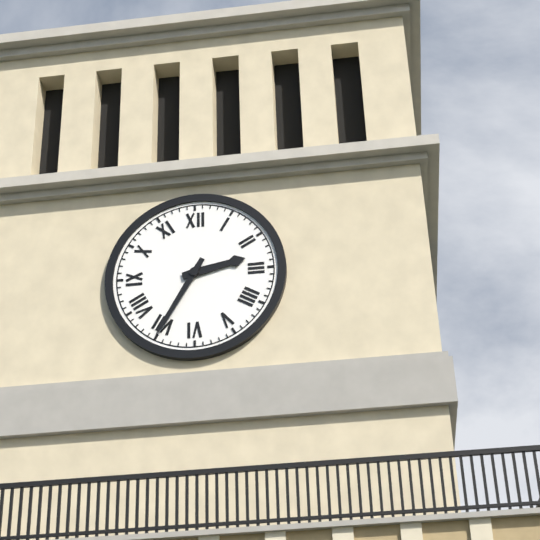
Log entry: 2 h 35 min
